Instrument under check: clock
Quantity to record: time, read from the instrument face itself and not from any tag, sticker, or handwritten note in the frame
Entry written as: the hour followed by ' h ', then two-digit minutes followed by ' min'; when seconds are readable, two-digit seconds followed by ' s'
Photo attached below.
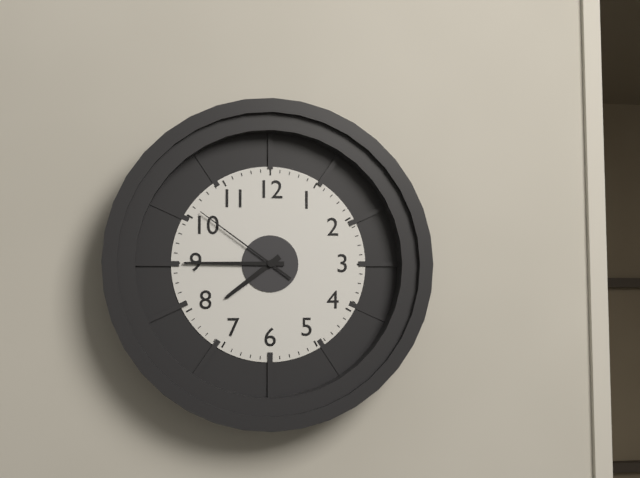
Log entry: 7 h 45 min 51 s
